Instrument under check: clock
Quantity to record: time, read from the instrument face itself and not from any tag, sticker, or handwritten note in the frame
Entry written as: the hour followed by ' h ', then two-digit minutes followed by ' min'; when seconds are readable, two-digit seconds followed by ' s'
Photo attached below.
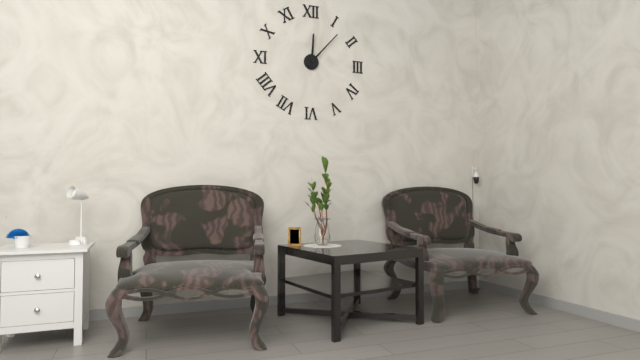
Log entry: 12 h 07 min
